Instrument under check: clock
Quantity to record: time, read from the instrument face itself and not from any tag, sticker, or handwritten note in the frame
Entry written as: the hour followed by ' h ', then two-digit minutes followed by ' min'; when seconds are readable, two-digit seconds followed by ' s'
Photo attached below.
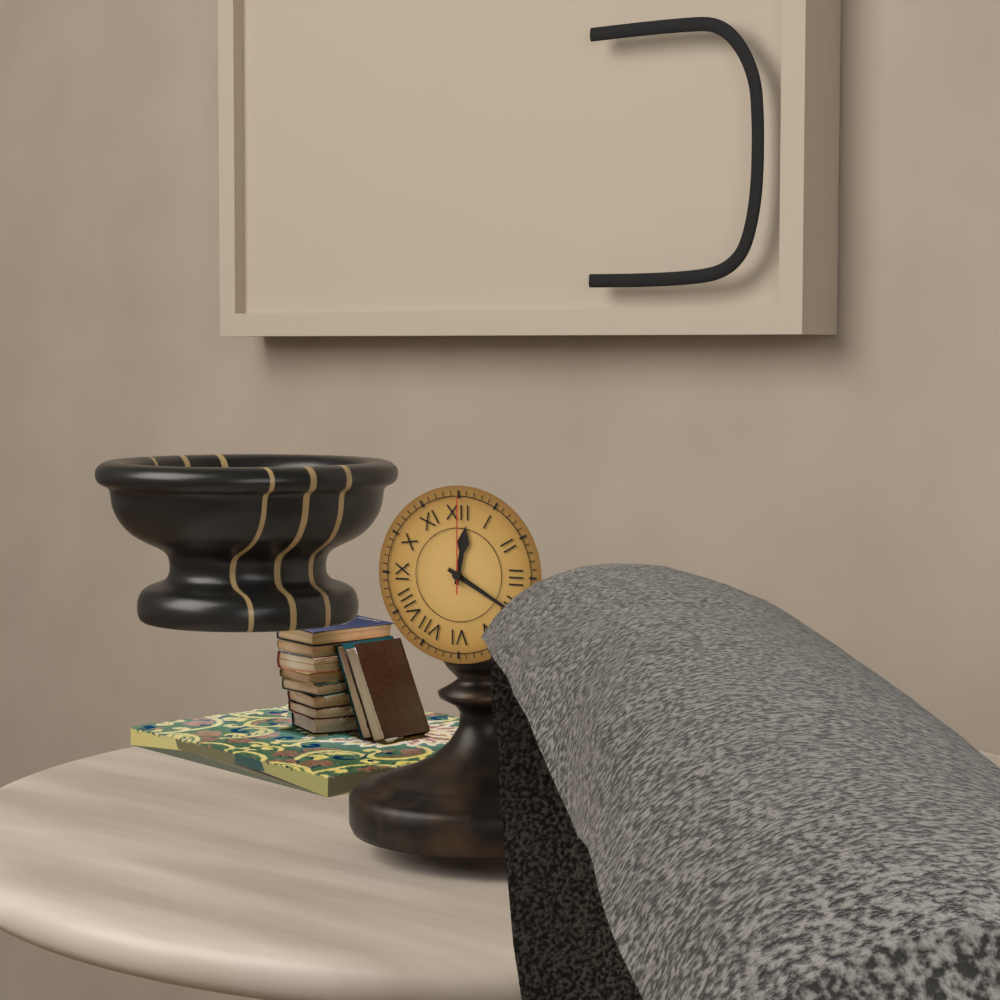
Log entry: 12 h 20 min 00 s
